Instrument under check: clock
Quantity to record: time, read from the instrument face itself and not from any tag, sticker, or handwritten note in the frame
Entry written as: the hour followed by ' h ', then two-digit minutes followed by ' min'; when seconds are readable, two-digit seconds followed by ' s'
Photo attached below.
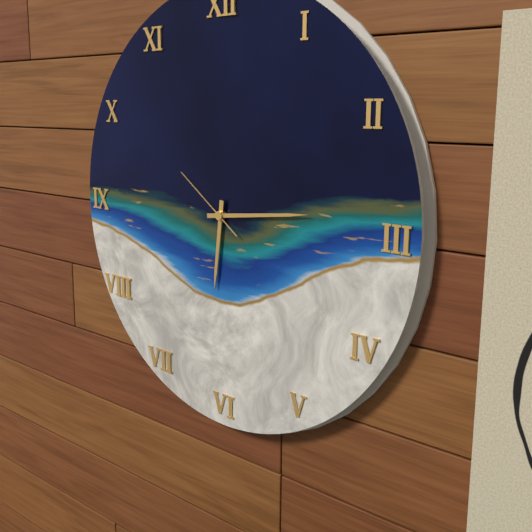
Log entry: 6 h 14 min 51 s
